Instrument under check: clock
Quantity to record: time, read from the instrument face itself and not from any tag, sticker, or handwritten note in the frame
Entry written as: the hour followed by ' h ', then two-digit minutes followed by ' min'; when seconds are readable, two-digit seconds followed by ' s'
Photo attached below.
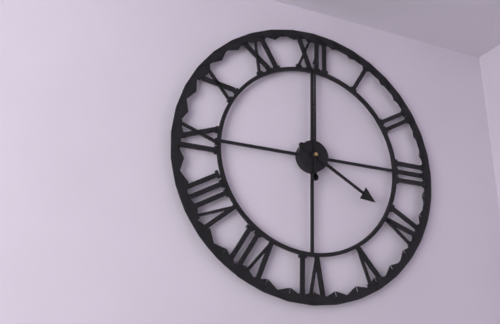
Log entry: 4 h 00 min
